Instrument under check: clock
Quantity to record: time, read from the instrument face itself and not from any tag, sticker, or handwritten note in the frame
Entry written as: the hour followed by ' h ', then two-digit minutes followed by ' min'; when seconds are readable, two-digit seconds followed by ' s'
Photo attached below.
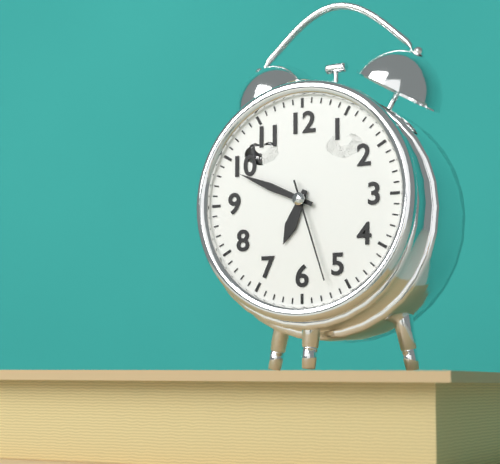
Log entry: 6 h 49 min 27 s
